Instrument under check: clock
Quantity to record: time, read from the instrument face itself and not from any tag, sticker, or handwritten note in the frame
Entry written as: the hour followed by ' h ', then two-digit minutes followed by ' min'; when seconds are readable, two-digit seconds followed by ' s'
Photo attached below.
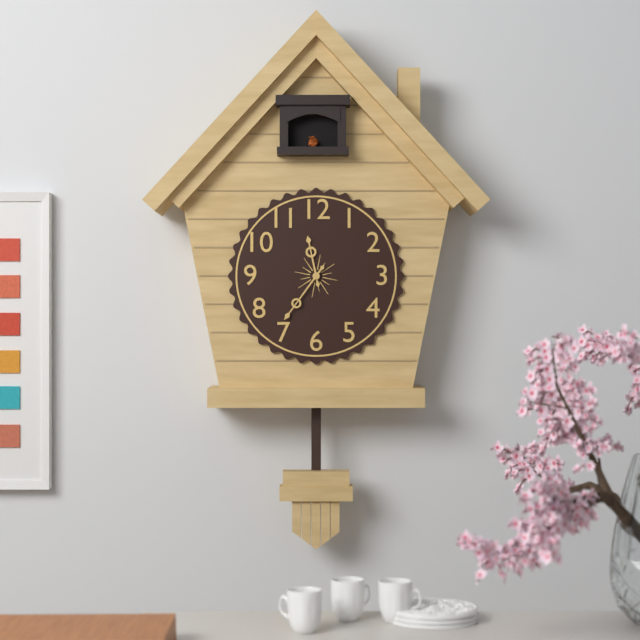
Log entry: 11 h 36 min
